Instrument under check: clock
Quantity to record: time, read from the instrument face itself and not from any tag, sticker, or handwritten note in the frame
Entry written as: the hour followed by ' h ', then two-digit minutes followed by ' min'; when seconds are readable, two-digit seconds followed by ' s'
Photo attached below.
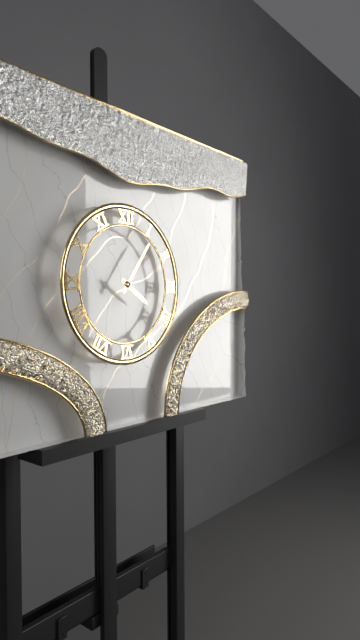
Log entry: 4 h 06 min
